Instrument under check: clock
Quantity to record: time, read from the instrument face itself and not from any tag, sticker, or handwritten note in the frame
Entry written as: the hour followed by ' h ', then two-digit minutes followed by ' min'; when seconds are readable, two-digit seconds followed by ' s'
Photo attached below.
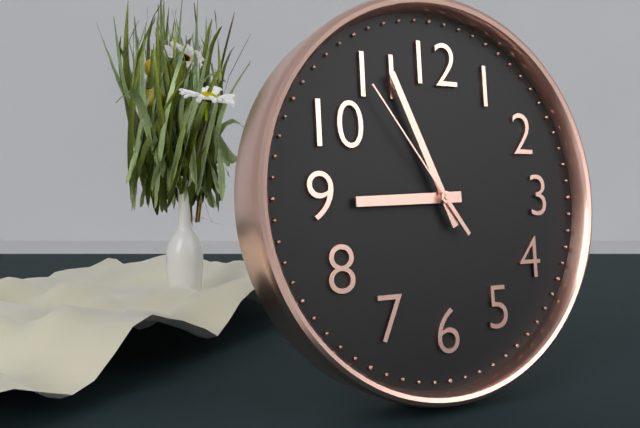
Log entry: 8 h 56 min 54 s
